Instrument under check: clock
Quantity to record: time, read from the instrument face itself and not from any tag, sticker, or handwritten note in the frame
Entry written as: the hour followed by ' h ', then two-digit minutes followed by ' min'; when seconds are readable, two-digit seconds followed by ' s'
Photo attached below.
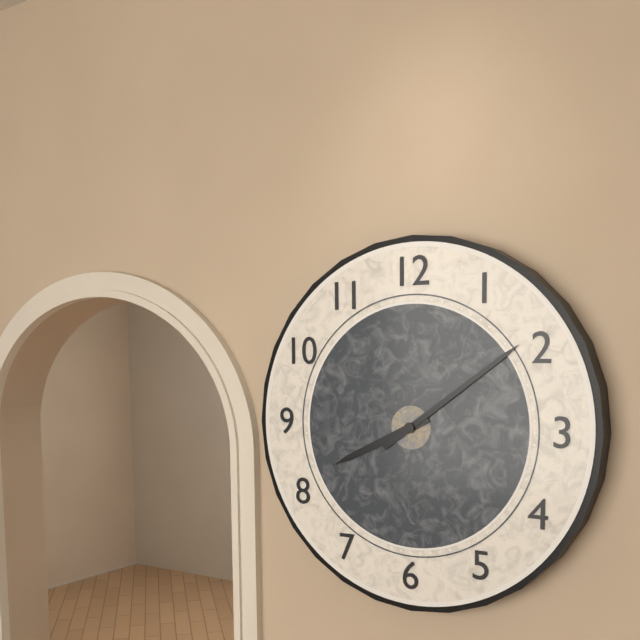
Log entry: 8 h 09 min
